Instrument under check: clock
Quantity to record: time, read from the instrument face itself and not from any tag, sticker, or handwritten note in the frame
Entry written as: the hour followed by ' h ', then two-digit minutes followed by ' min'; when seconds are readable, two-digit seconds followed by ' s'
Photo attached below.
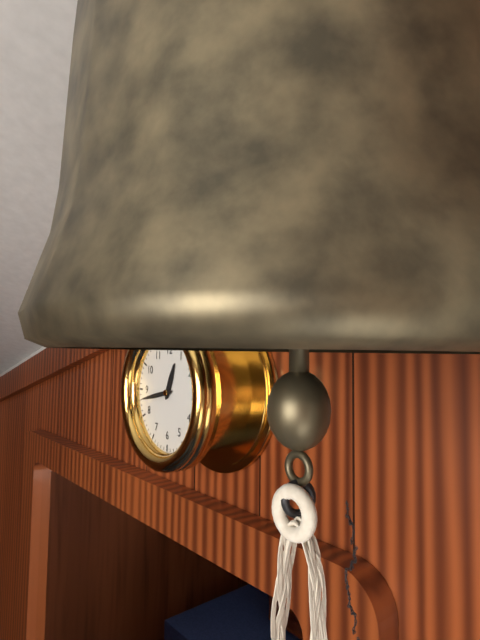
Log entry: 12 h 43 min
